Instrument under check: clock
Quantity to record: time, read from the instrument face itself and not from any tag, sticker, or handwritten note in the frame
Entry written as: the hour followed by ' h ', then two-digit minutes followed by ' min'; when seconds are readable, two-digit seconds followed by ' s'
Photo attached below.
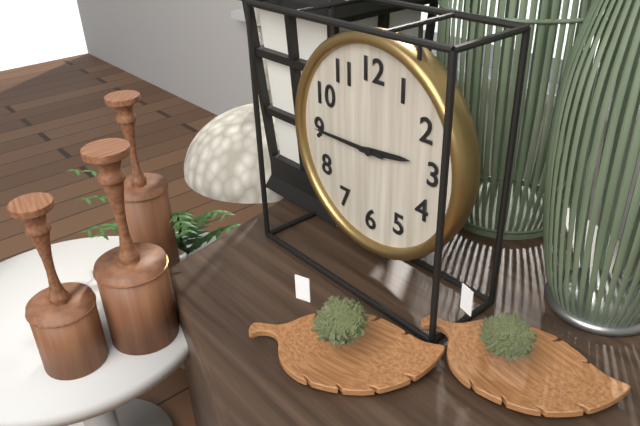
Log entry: 2 h 45 min
